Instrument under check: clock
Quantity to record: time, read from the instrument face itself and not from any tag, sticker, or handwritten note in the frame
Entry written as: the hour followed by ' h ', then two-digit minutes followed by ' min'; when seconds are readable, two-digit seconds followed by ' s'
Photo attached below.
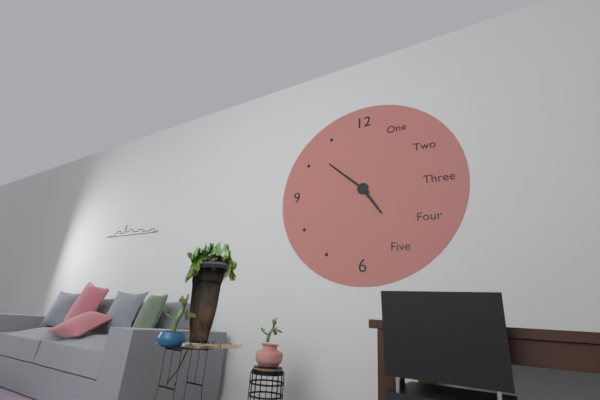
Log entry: 4 h 52 min
